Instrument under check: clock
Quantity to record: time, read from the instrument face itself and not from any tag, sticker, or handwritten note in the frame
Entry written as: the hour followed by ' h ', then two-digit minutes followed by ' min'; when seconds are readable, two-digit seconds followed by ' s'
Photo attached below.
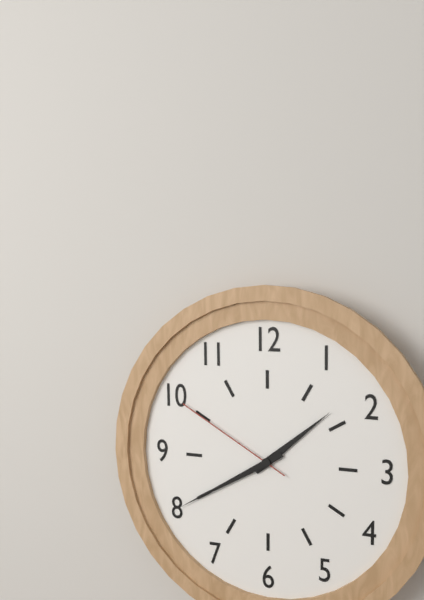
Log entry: 1 h 40 min 50 s
